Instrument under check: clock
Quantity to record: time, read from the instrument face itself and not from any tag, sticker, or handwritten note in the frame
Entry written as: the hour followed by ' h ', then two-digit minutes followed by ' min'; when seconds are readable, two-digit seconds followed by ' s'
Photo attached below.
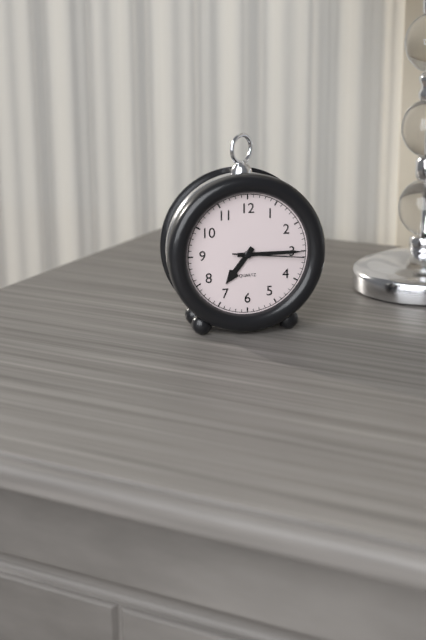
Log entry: 7 h 15 min 16 s
